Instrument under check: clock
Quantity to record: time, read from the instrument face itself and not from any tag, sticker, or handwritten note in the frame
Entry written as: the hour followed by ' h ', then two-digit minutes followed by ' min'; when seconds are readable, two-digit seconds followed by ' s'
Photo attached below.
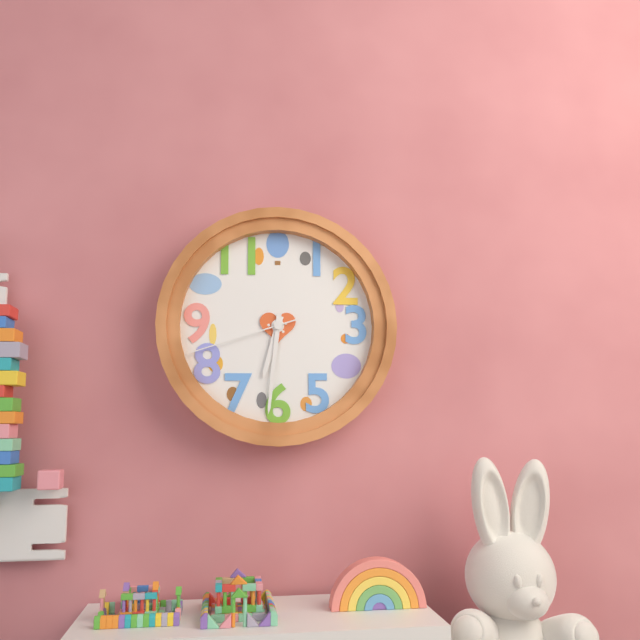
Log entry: 6 h 31 min 42 s
